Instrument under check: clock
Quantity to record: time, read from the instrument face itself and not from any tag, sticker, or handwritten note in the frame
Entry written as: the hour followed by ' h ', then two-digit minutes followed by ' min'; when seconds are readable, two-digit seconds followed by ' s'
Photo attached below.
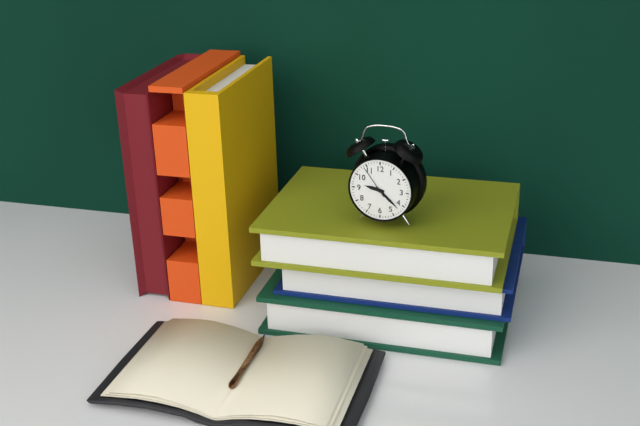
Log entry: 9 h 22 min
